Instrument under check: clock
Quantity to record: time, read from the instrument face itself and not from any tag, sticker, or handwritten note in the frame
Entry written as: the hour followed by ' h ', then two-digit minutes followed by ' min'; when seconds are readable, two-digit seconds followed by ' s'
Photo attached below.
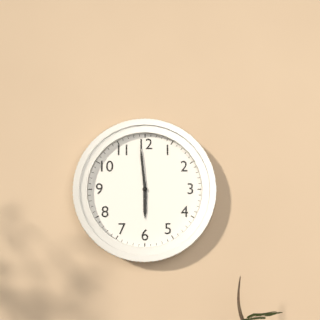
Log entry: 5 h 59 min
